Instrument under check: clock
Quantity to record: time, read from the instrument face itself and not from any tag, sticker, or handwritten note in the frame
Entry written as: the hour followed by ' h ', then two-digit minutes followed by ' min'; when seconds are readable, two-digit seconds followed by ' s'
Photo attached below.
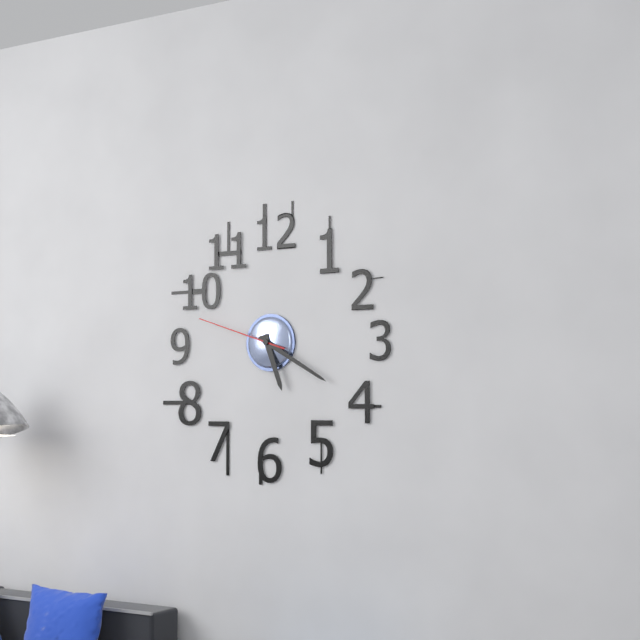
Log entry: 5 h 20 min 48 s
